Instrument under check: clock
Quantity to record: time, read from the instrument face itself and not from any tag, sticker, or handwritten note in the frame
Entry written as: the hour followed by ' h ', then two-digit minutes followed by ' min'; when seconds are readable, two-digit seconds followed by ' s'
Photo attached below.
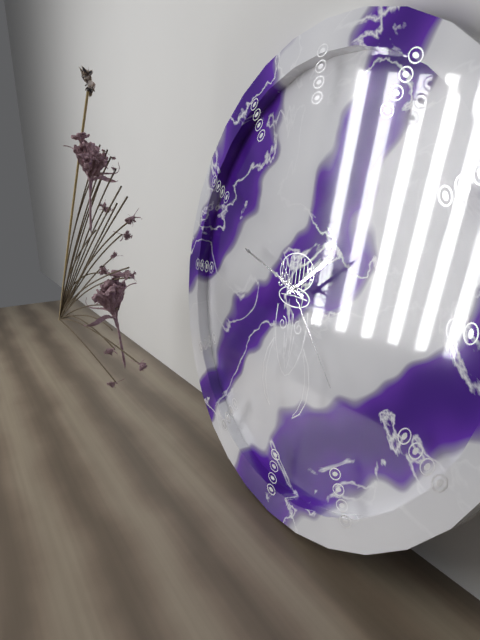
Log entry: 1 h 48 min 23 s
